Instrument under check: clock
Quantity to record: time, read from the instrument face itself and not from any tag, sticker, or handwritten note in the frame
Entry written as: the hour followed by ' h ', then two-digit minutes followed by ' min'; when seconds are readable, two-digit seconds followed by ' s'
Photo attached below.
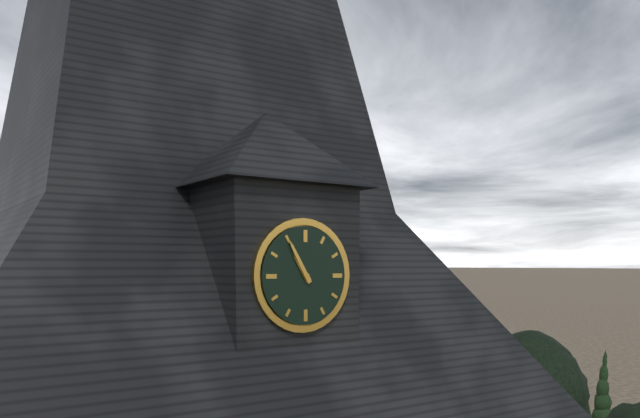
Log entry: 10 h 55 min
